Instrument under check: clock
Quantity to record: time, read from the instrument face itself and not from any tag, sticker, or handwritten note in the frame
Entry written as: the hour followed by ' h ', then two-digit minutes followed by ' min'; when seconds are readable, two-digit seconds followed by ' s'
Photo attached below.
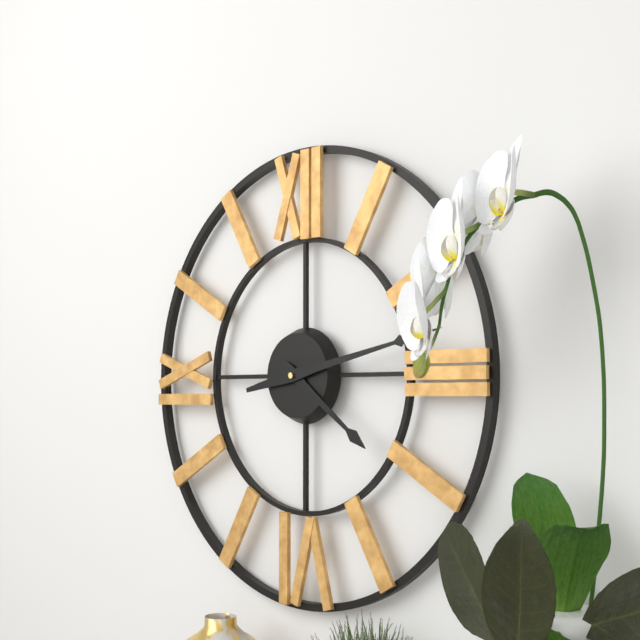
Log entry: 4 h 13 min
